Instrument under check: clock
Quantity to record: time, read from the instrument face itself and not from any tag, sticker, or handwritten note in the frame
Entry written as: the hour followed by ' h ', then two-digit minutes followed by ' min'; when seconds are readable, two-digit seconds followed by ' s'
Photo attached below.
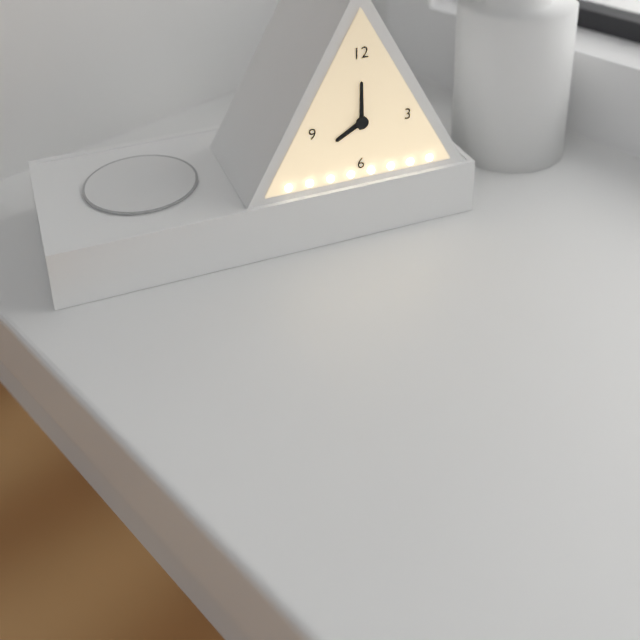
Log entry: 8 h 00 min
